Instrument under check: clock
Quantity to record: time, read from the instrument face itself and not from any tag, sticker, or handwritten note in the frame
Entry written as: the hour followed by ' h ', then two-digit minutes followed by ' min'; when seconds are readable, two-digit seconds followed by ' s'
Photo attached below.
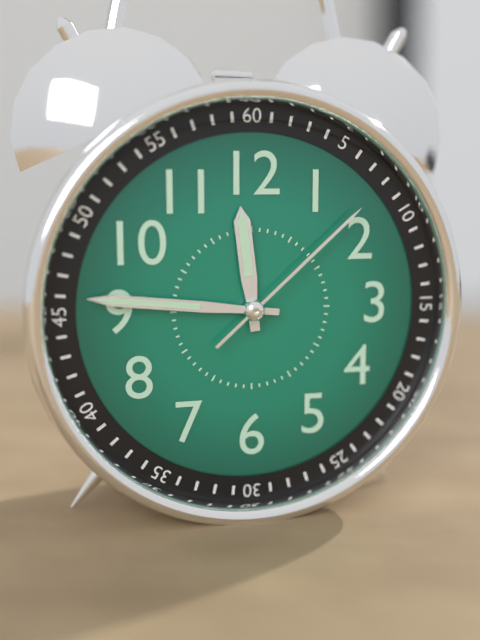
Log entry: 11 h 46 min 08 s
